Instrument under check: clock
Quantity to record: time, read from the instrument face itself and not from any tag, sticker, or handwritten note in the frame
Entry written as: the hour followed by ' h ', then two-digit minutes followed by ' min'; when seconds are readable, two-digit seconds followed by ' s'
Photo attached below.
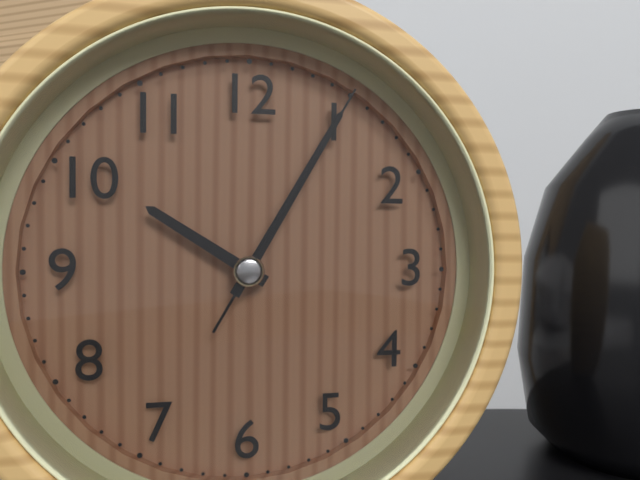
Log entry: 10 h 05 min 05 s
